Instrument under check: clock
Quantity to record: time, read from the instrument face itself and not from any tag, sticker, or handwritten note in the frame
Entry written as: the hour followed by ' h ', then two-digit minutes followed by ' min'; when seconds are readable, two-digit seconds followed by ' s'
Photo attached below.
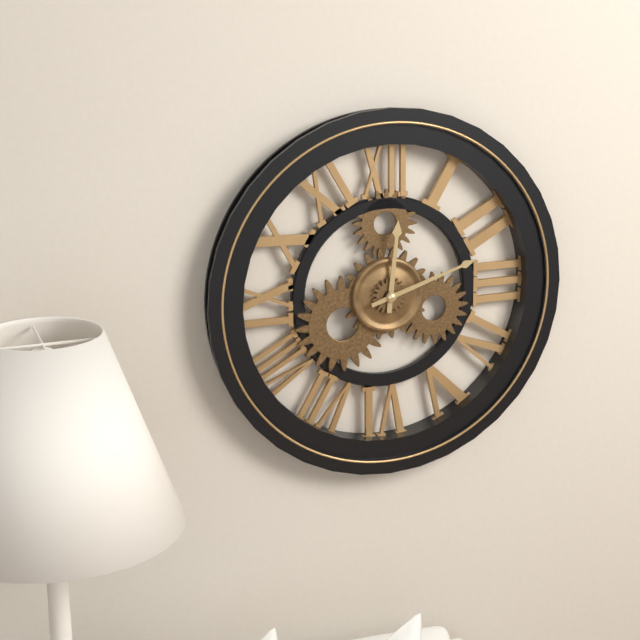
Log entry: 12 h 12 min
